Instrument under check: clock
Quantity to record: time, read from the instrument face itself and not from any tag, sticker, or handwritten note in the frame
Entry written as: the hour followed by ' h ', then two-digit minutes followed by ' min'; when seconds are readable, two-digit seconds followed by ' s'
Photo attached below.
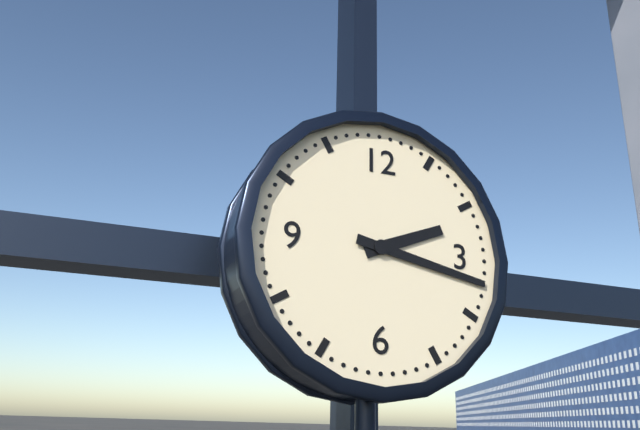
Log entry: 2 h 17 min
